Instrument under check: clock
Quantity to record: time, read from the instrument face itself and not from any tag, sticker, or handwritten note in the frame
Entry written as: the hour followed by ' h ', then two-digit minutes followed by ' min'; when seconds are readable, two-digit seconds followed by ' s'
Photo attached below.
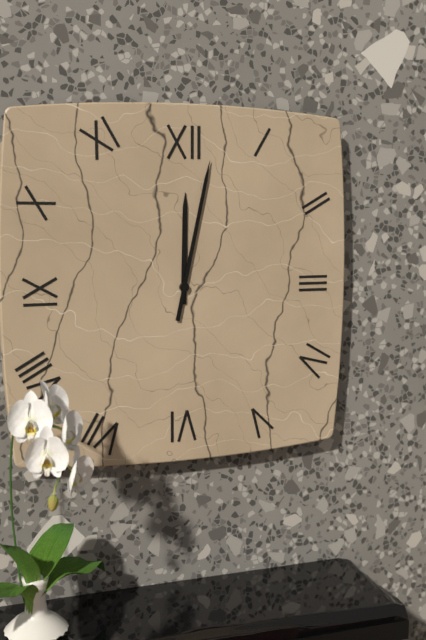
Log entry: 12 h 02 min
